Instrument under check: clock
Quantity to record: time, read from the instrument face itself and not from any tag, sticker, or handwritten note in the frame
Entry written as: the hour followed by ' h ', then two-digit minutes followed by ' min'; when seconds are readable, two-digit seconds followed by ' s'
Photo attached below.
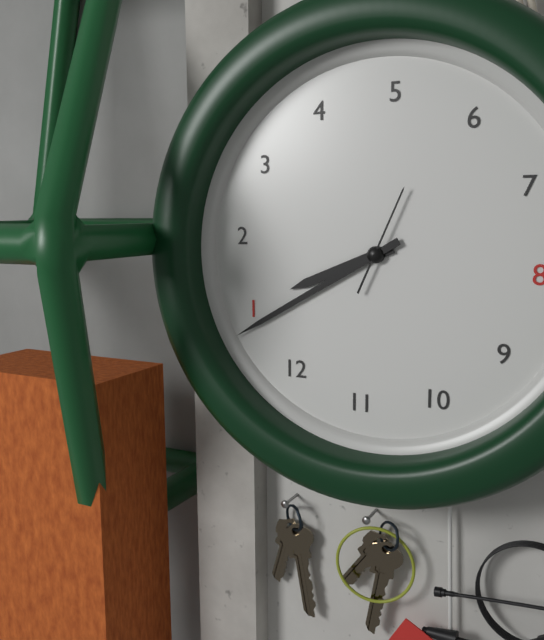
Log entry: 1 h 04 min 28 s
